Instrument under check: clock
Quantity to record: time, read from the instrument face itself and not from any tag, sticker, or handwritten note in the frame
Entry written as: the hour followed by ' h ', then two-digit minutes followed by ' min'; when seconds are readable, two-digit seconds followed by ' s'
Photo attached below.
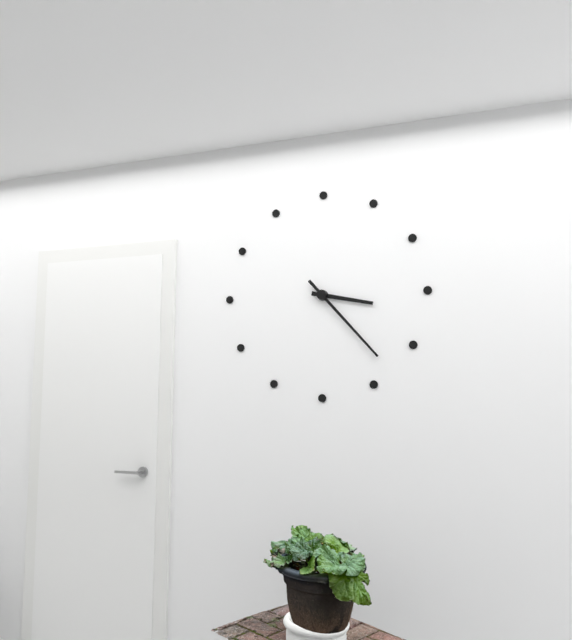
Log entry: 3 h 23 min
